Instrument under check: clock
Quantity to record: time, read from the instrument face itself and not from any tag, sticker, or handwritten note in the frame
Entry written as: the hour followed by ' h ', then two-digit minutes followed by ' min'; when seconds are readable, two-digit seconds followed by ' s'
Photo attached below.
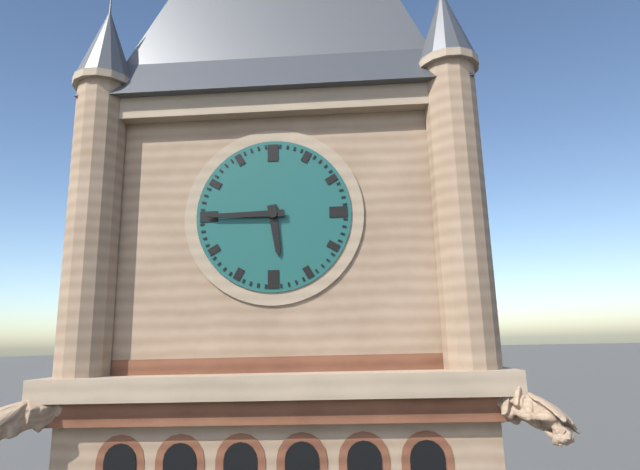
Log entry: 5 h 45 min
